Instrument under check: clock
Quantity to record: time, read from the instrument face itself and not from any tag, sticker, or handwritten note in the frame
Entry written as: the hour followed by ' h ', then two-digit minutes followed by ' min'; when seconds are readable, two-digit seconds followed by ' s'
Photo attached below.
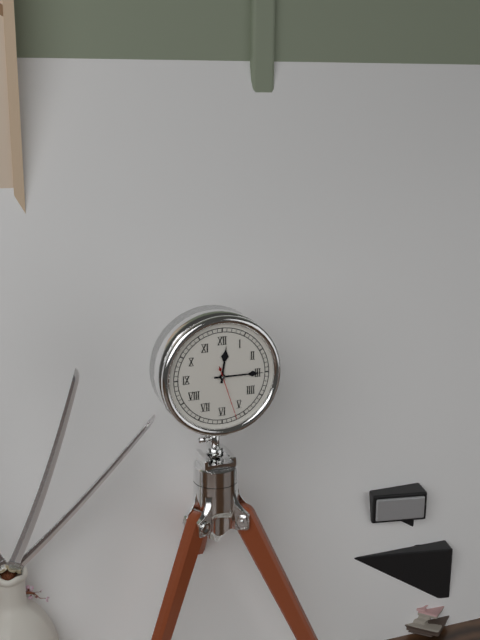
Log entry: 12 h 15 min 27 s
